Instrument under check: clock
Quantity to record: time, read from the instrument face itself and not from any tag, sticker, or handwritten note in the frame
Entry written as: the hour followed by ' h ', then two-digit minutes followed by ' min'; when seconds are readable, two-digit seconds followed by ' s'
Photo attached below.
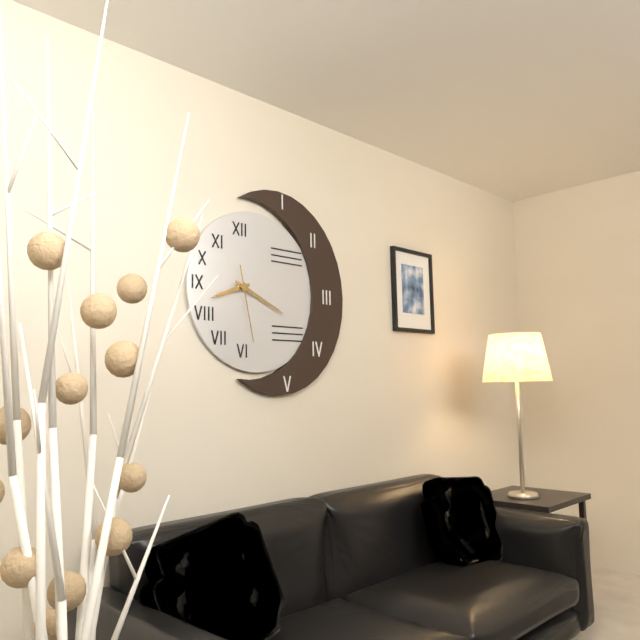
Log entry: 8 h 19 min 28 s
